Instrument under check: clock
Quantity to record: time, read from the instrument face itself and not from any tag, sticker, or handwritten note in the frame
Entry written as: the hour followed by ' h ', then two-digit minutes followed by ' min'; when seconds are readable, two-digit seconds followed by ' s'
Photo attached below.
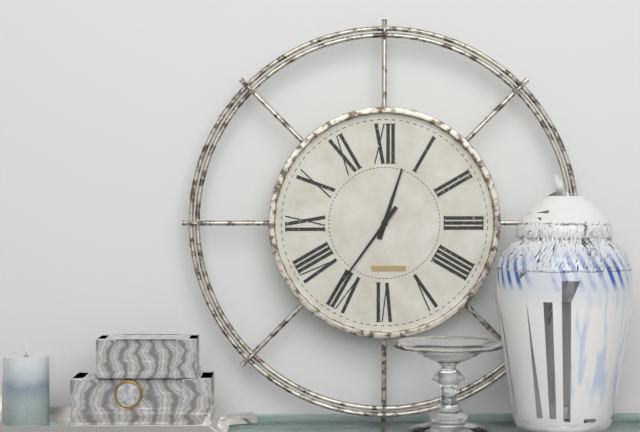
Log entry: 12 h 36 min
